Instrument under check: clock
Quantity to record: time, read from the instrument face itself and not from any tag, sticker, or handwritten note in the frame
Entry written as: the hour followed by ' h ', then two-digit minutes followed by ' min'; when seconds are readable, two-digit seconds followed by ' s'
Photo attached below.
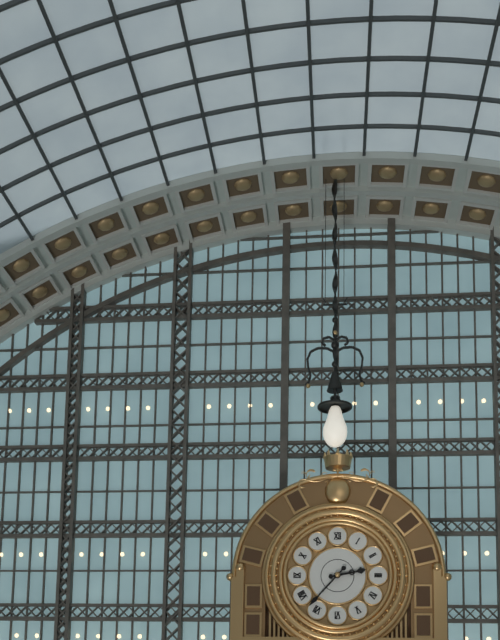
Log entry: 2 h 37 min
